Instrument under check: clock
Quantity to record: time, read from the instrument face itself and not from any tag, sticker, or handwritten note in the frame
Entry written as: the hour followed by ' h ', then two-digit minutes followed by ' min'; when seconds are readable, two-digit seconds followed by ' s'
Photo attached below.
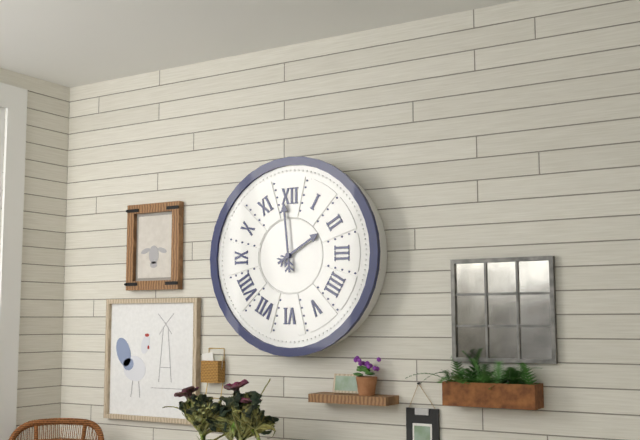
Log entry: 1 h 59 min
